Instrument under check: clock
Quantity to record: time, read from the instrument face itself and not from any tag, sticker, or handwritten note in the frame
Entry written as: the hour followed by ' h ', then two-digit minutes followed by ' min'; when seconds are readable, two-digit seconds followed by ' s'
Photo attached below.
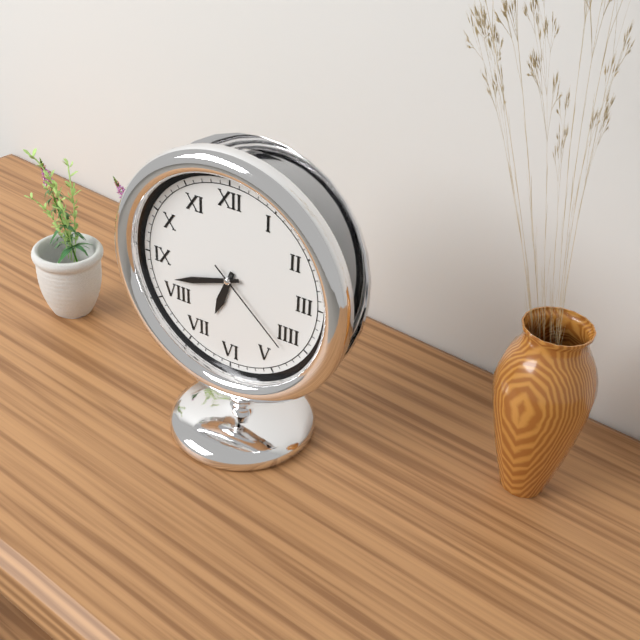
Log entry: 6 h 42 min 22 s
